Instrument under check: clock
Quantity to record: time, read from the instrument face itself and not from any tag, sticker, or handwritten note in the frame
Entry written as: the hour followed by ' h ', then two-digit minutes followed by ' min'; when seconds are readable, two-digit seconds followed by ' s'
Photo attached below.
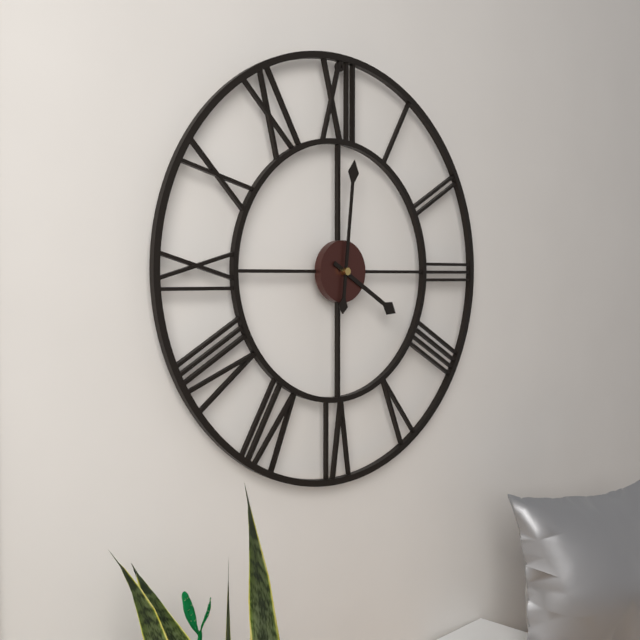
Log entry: 4 h 01 min
